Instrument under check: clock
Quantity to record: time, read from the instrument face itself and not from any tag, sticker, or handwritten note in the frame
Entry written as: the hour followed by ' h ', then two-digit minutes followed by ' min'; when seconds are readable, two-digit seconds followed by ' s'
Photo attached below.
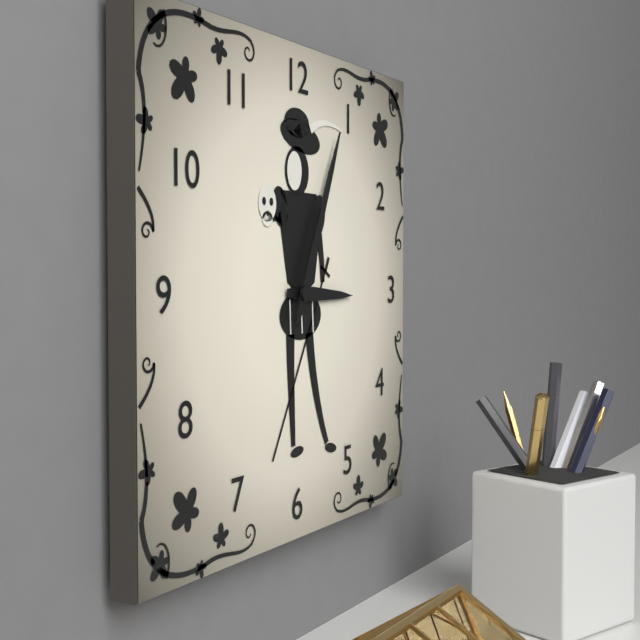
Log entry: 3 h 04 min
